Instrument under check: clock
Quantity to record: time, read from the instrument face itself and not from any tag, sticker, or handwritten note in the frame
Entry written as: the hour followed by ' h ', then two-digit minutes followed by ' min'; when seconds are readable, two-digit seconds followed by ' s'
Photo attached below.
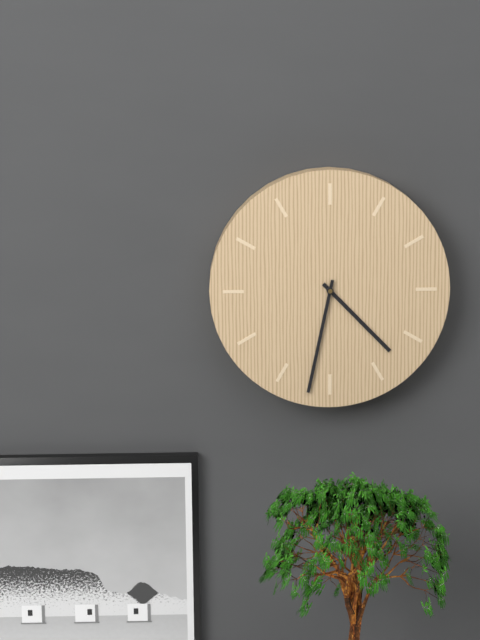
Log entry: 4 h 32 min
